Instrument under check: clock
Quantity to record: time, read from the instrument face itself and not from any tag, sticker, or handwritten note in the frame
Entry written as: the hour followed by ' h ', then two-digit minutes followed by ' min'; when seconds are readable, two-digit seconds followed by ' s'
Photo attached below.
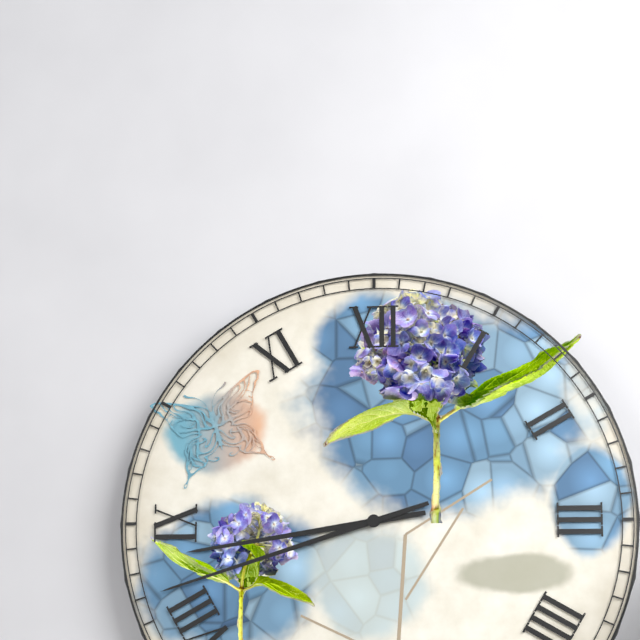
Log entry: 8 h 42 min
